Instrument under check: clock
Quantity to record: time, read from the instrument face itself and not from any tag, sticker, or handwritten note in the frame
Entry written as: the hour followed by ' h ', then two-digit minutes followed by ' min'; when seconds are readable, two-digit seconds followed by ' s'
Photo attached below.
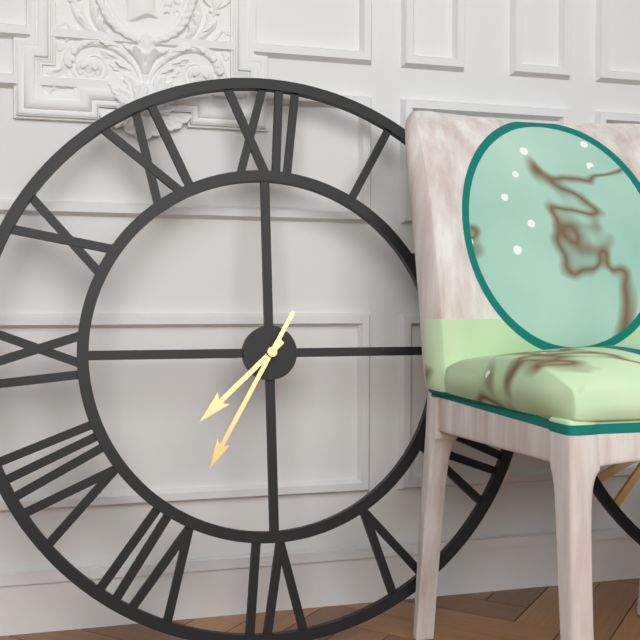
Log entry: 7 h 35 min
